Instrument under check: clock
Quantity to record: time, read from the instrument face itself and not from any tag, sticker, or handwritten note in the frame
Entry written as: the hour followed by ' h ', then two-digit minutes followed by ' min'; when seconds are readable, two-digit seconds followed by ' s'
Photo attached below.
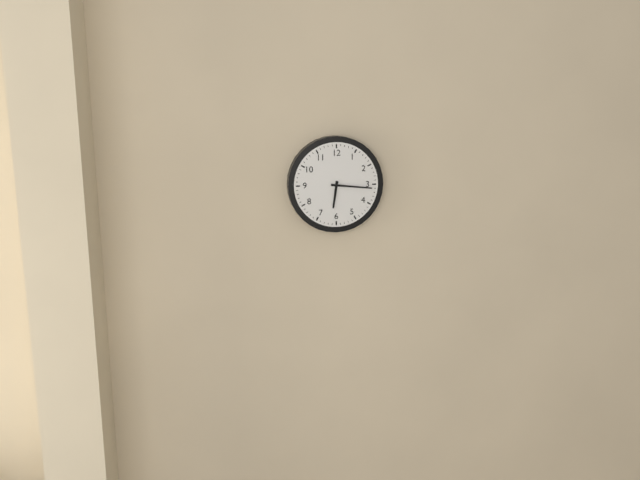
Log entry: 6 h 16 min
